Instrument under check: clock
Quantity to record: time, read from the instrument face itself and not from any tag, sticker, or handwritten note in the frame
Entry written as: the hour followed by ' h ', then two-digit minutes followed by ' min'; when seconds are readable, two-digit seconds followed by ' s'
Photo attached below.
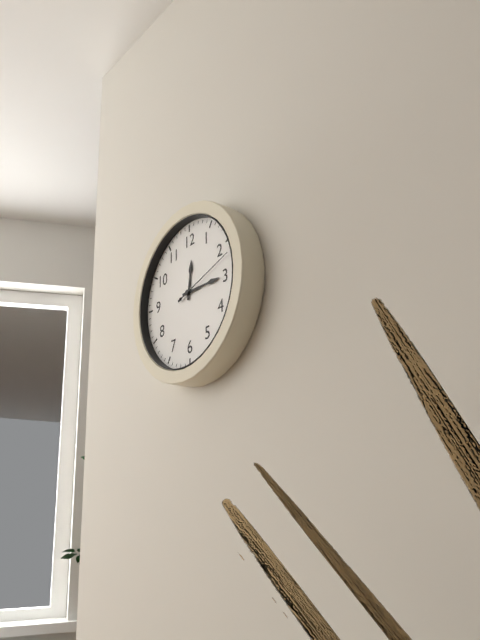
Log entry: 12 h 15 min 12 s
